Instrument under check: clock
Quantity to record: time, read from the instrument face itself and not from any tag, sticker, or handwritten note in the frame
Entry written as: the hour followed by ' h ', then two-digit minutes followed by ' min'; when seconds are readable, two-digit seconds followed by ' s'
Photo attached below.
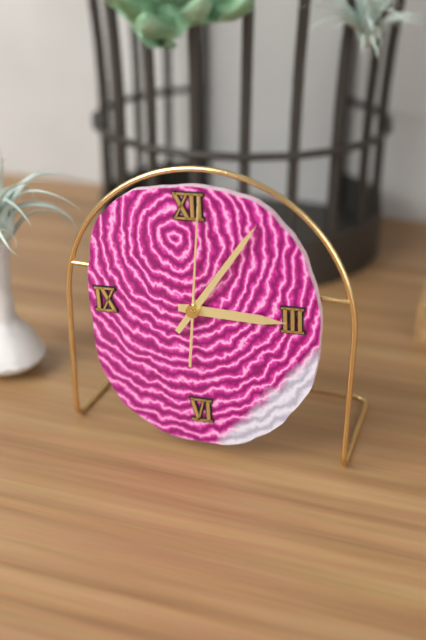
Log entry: 3 h 06 min 01 s
